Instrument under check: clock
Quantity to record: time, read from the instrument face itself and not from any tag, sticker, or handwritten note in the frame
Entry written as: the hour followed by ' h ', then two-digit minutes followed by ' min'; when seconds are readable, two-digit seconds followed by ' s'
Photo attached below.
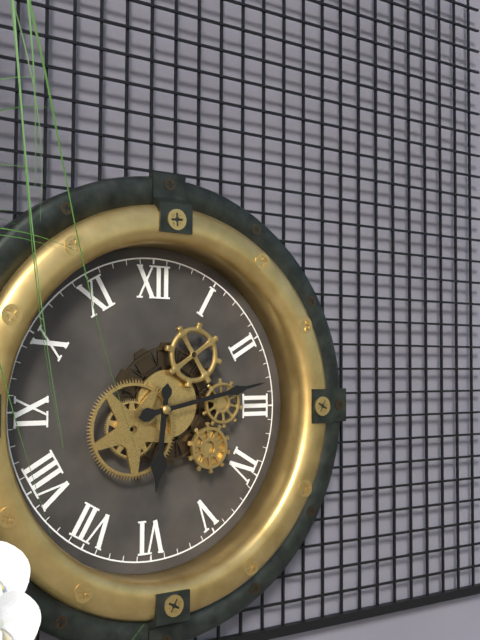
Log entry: 6 h 13 min
